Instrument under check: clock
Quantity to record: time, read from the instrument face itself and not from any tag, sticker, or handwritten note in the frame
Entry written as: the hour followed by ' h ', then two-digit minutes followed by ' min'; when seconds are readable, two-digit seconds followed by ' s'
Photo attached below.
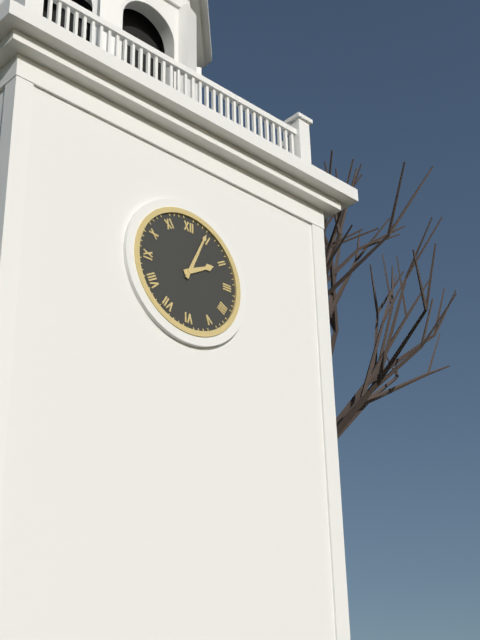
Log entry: 2 h 04 min
